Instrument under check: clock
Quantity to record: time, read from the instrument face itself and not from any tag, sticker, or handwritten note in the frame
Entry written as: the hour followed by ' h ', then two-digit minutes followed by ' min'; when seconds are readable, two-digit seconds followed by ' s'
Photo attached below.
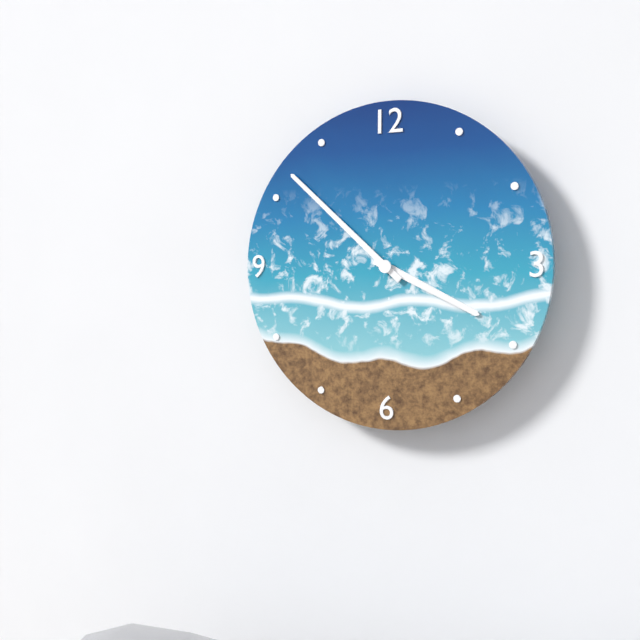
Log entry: 3 h 52 min
